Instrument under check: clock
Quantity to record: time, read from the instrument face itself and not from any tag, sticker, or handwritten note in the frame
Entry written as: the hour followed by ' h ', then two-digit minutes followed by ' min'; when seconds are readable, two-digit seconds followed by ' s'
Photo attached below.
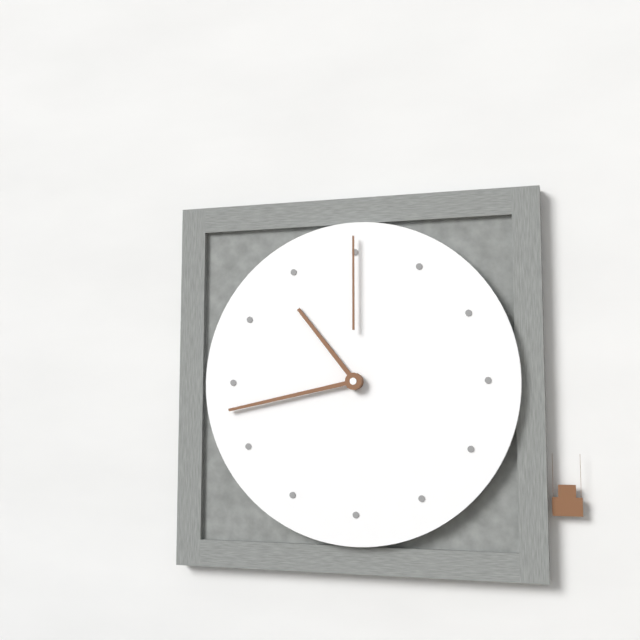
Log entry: 10 h 43 min 00 s
